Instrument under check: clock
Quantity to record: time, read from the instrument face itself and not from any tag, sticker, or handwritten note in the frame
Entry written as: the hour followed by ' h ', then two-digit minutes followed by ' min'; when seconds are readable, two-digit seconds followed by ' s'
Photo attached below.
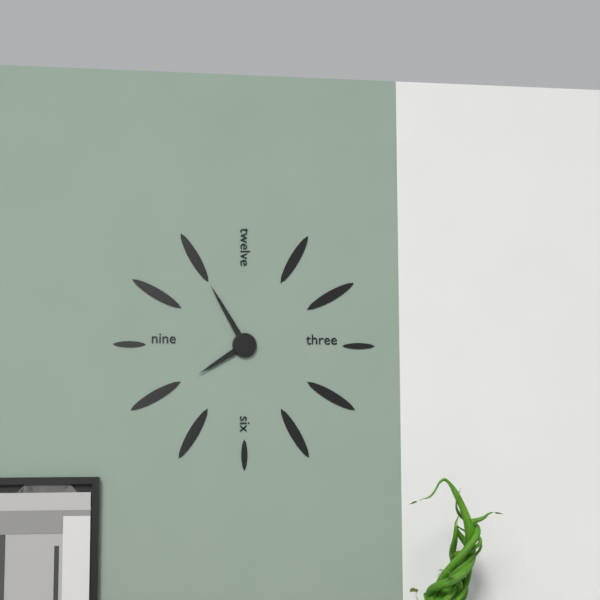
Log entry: 7 h 55 min
